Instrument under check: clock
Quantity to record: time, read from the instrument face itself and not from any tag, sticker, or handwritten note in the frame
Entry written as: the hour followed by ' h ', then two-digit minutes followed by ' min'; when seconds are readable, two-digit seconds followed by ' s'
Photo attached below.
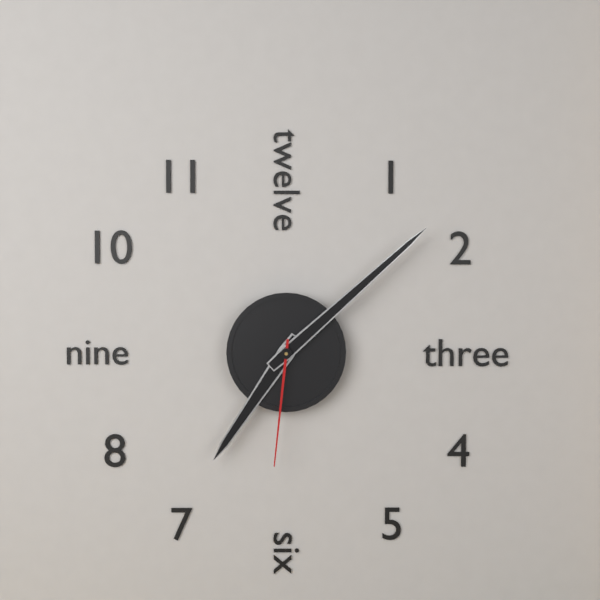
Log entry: 7 h 08 min 31 s
